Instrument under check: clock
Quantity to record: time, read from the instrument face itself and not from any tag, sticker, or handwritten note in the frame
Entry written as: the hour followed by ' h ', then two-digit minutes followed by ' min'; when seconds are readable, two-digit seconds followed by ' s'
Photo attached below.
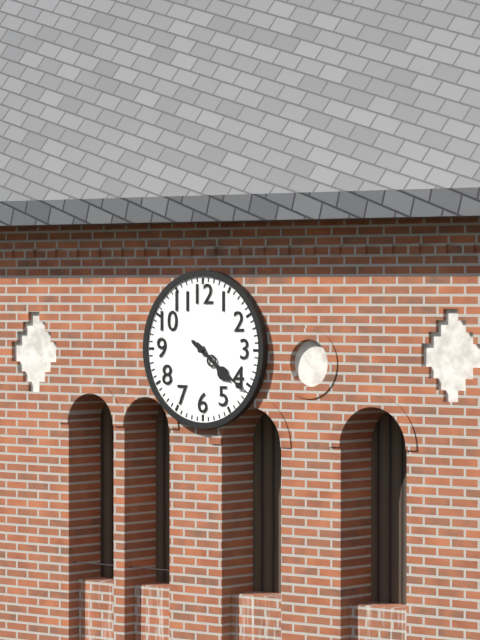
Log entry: 4 h 21 min
